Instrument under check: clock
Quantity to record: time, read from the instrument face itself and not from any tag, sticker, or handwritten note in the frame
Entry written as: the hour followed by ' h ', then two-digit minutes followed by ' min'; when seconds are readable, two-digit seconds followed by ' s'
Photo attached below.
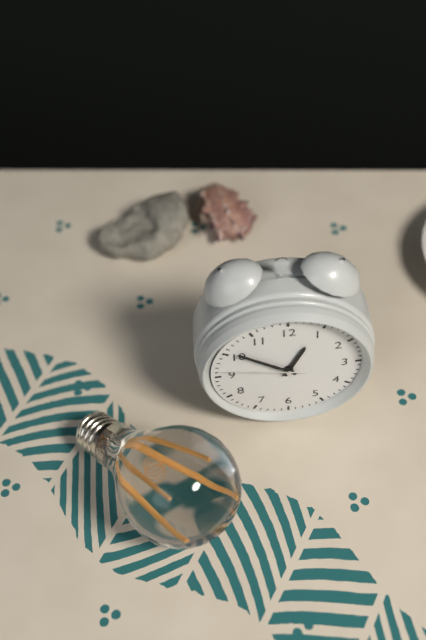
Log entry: 12 h 51 min 47 s
